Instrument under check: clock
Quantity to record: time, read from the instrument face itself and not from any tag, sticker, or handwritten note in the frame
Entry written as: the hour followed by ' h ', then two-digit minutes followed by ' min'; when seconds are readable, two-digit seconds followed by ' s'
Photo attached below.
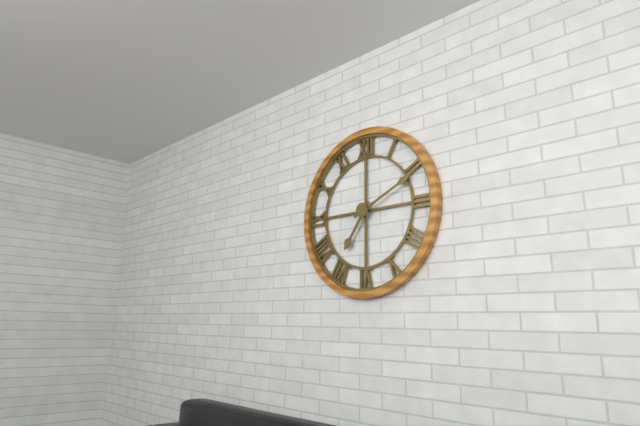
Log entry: 7 h 11 min
